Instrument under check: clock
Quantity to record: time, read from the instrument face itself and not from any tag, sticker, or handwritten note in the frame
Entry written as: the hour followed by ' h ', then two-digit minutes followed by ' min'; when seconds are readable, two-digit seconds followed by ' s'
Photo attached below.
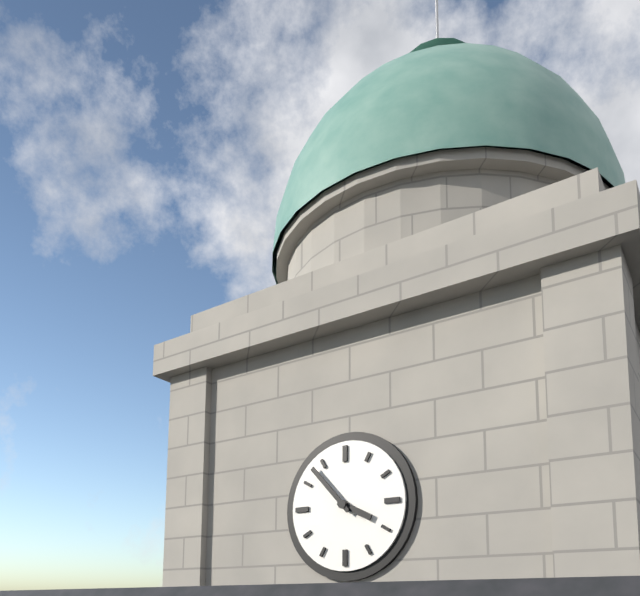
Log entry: 3 h 53 min
